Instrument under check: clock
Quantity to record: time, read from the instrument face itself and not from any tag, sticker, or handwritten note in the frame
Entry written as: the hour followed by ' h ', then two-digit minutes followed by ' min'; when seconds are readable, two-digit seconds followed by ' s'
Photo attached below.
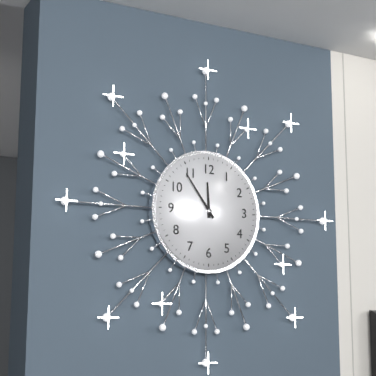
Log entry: 11 h 54 min
